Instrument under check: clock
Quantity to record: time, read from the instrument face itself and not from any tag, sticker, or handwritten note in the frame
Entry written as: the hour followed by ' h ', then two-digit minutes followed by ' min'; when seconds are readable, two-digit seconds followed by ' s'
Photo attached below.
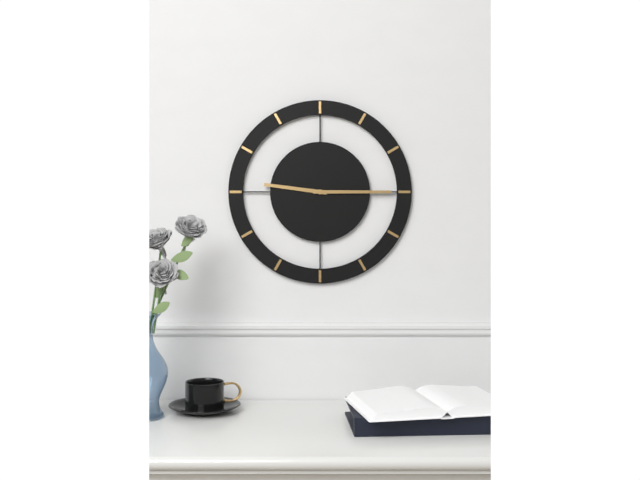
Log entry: 9 h 15 min
